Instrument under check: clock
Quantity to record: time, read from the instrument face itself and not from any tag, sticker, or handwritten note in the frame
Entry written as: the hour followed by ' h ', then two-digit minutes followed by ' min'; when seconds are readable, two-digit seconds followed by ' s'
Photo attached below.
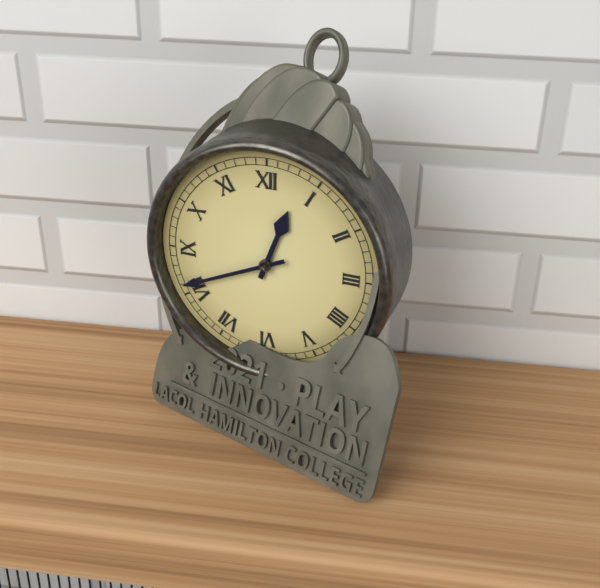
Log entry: 12 h 41 min
